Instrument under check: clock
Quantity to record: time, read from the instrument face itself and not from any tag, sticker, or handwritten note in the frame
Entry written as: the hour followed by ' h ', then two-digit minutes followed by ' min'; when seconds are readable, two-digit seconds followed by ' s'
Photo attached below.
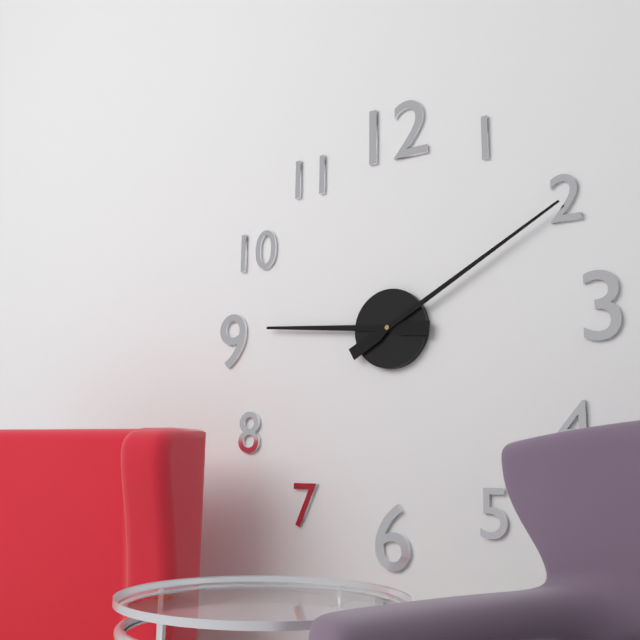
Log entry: 9 h 10 min
